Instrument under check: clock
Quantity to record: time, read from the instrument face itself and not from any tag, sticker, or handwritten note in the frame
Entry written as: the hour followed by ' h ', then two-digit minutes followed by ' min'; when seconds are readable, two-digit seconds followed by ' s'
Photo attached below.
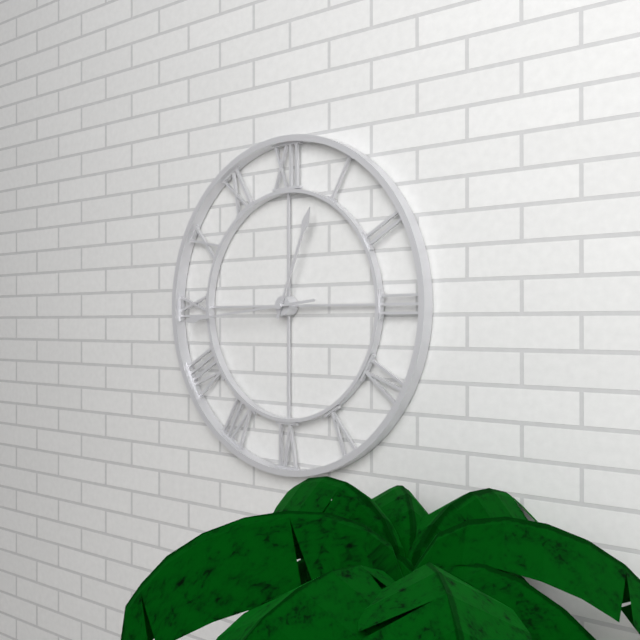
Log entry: 12 h 44 min
